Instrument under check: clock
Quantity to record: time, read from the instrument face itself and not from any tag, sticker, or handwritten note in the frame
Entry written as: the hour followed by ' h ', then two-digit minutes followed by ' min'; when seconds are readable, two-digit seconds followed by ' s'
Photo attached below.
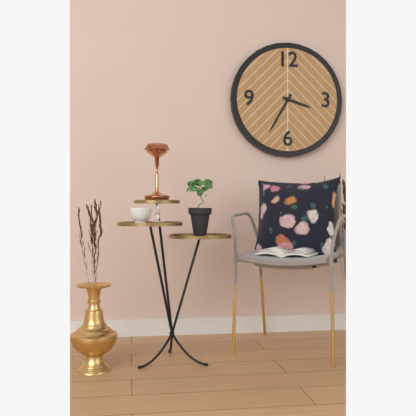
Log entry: 3 h 35 min
